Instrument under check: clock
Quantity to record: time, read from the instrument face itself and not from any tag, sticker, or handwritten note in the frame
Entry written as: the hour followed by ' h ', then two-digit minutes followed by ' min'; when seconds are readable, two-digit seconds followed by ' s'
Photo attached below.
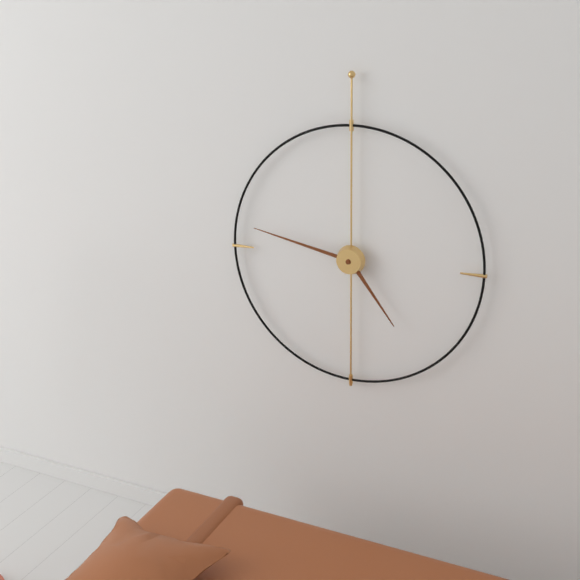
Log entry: 4 h 47 min
